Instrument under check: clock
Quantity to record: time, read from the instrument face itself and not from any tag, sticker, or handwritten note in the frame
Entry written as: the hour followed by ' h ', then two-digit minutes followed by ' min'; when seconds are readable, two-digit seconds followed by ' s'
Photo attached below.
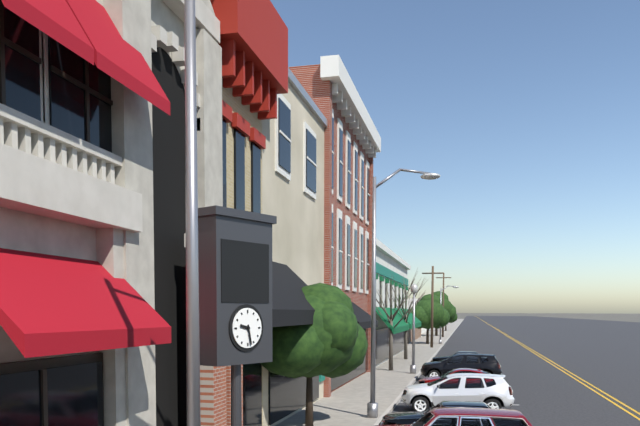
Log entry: 9 h 28 min
